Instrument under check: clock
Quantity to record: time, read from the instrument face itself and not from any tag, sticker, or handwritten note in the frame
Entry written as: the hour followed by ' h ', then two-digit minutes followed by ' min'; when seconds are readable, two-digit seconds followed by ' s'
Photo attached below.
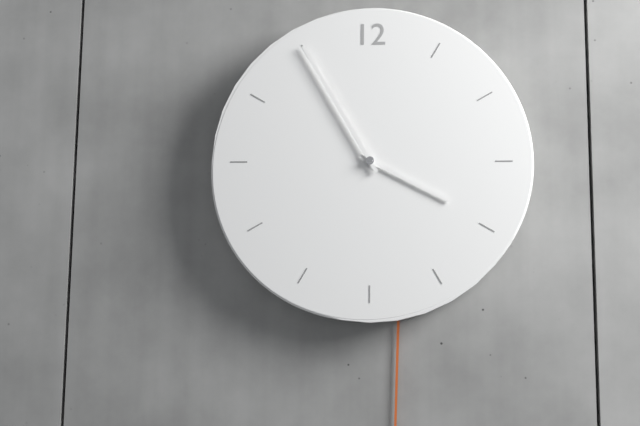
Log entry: 3 h 55 min
